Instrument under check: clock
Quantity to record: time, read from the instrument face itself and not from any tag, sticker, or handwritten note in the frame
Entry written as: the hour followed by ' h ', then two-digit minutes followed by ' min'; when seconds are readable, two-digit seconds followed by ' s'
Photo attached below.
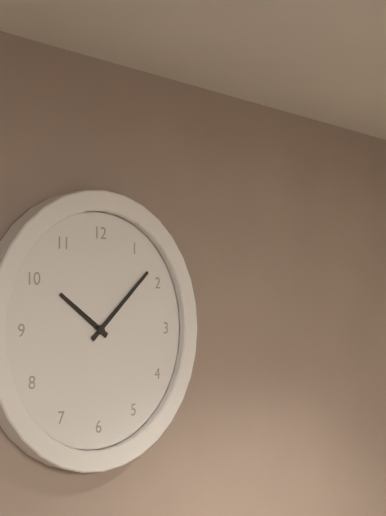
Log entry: 10 h 08 min
